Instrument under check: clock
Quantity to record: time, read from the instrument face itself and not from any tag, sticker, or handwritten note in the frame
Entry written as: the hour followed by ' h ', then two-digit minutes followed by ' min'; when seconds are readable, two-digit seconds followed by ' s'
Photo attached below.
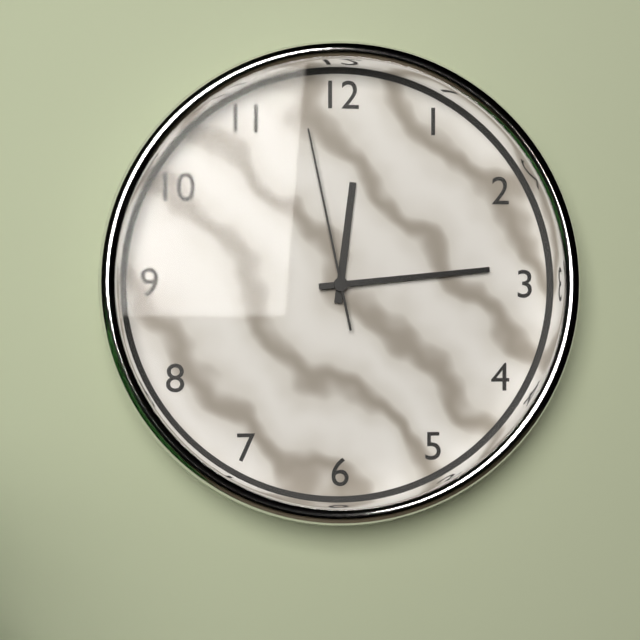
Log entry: 12 h 14 min 58 s
